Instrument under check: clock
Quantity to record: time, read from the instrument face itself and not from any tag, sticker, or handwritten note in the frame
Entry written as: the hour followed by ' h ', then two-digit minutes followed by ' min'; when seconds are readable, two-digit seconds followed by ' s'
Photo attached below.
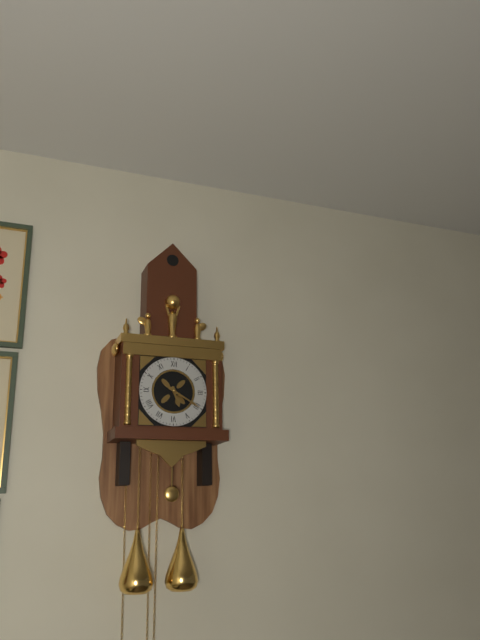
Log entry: 5 h 20 min
